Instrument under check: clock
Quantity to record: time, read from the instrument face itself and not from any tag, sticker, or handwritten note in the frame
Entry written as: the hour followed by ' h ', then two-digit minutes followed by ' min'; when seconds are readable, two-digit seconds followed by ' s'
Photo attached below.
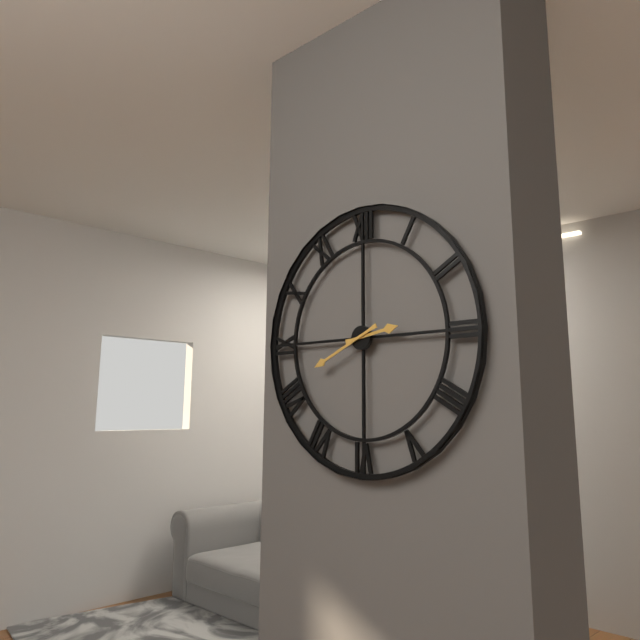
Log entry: 2 h 41 min
